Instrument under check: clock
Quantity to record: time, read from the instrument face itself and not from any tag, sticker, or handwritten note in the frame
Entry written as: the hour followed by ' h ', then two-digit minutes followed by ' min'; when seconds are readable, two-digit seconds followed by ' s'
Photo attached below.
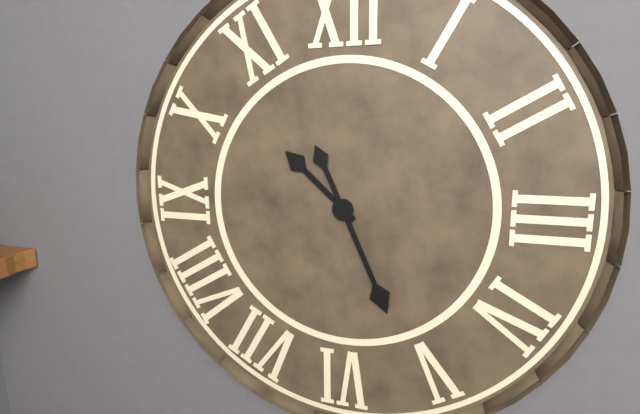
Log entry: 10 h 26 min
